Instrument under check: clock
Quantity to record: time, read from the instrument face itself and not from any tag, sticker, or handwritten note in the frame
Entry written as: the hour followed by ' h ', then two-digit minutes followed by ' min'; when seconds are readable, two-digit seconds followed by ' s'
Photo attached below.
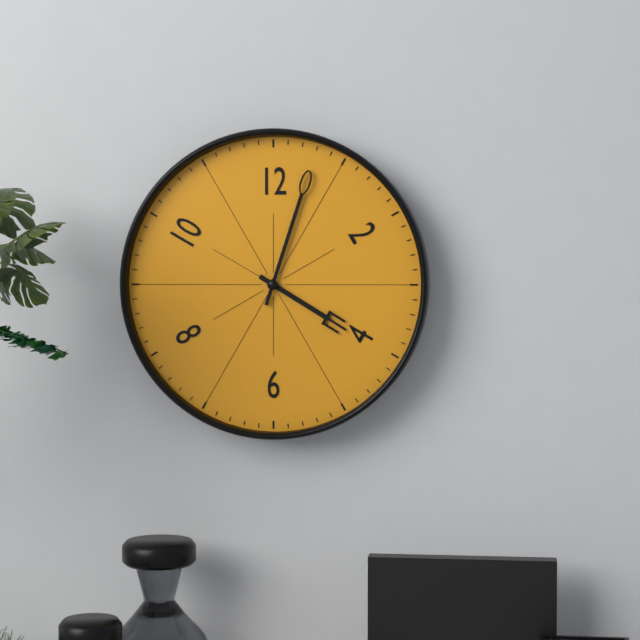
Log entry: 4 h 03 min
